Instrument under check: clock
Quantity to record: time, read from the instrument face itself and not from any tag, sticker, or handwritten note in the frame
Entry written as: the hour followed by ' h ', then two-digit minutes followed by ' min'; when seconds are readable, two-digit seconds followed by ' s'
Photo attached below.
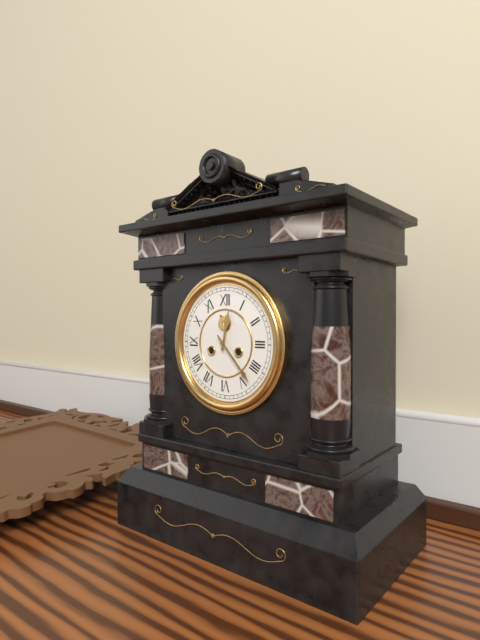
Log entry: 12 h 23 min
